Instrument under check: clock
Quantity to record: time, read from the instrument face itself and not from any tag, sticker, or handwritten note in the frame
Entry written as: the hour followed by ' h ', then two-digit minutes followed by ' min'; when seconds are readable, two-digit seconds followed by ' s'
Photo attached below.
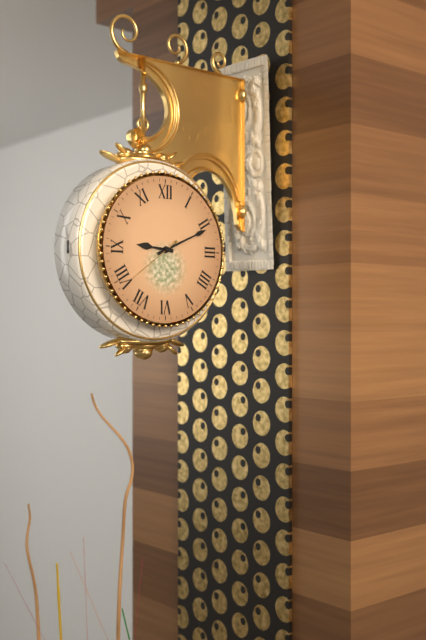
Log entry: 9 h 11 min 39 s
